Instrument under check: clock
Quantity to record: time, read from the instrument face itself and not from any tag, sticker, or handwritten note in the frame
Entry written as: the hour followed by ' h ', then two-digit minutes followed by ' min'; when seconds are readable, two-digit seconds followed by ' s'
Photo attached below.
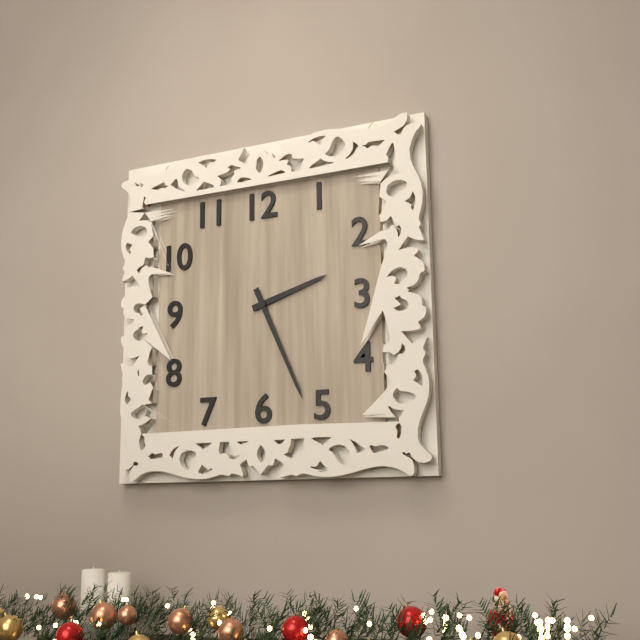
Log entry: 2 h 26 min
